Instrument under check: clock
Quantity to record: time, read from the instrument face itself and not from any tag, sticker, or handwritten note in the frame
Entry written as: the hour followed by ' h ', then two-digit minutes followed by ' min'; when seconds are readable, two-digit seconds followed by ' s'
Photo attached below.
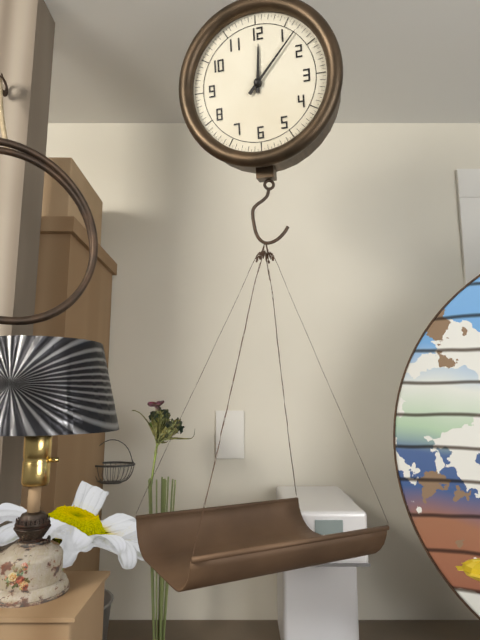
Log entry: 12 h 07 min
